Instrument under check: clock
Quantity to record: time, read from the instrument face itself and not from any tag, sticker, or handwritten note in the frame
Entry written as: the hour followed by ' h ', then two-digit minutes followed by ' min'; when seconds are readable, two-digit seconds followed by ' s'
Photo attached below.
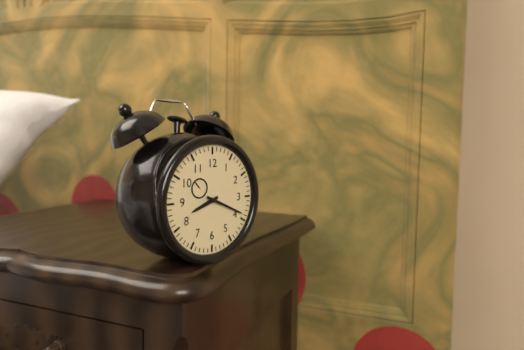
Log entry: 8 h 19 min
